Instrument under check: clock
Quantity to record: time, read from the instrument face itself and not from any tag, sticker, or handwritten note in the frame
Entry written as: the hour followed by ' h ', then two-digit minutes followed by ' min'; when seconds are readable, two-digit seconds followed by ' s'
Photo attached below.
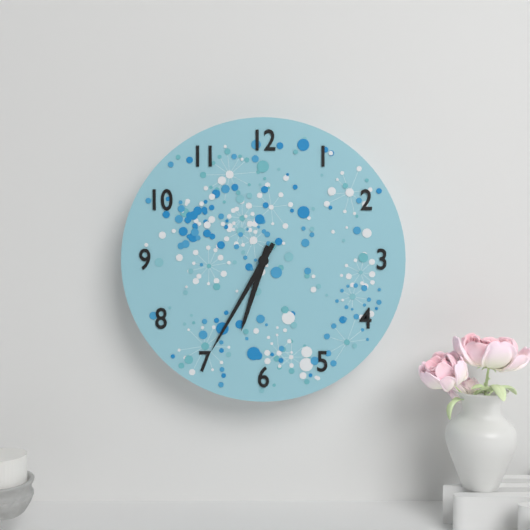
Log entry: 6 h 35 min
